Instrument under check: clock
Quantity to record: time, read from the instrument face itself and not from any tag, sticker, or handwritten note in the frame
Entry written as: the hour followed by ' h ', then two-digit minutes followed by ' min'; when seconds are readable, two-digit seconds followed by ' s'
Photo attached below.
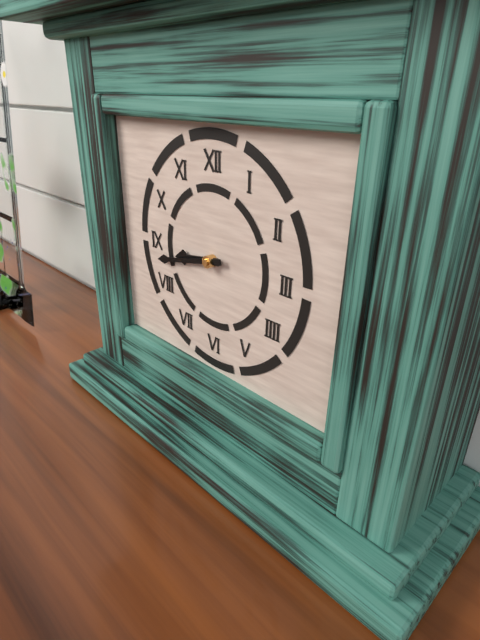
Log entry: 8 h 43 min
